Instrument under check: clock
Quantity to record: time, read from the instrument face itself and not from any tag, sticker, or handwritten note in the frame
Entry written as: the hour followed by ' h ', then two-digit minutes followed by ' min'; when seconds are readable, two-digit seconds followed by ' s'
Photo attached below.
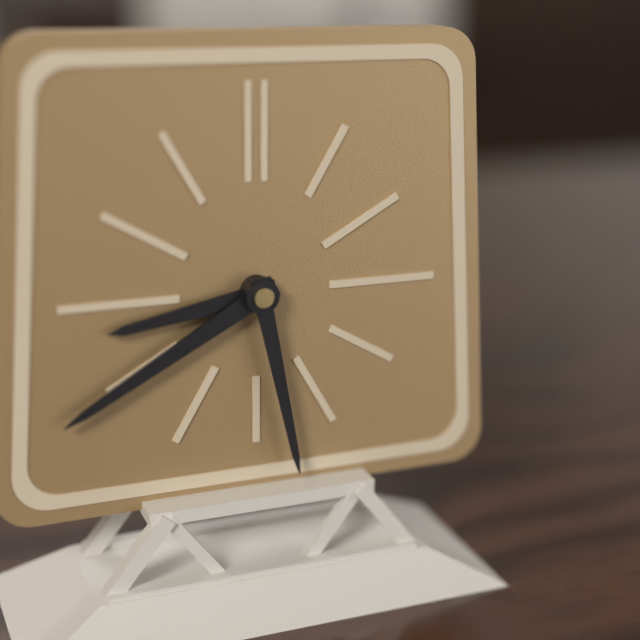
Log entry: 8 h 40 min 28 s
